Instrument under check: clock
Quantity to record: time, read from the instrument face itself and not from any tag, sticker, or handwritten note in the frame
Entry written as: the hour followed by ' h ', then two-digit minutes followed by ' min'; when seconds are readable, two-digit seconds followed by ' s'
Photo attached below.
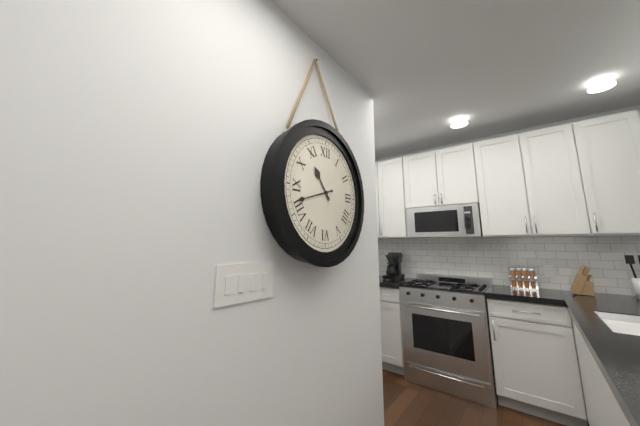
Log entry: 10 h 42 min
